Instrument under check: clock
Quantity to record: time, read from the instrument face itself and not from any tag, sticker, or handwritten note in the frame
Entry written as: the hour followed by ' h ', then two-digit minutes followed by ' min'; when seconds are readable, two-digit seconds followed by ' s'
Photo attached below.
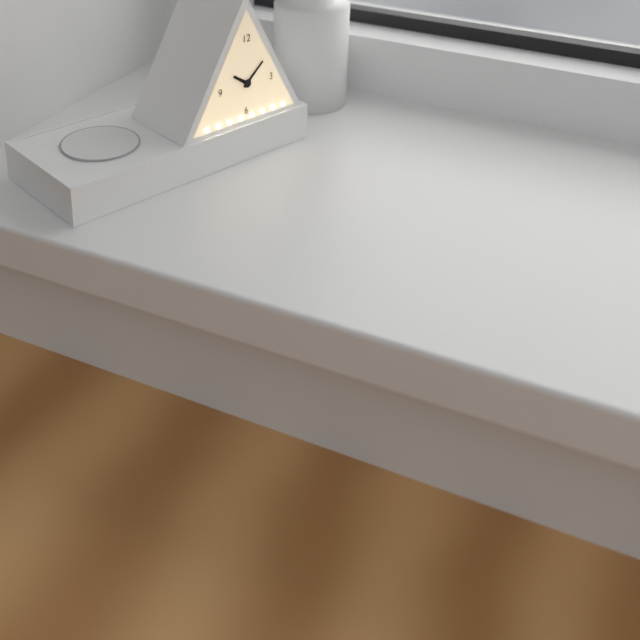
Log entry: 10 h 08 min
